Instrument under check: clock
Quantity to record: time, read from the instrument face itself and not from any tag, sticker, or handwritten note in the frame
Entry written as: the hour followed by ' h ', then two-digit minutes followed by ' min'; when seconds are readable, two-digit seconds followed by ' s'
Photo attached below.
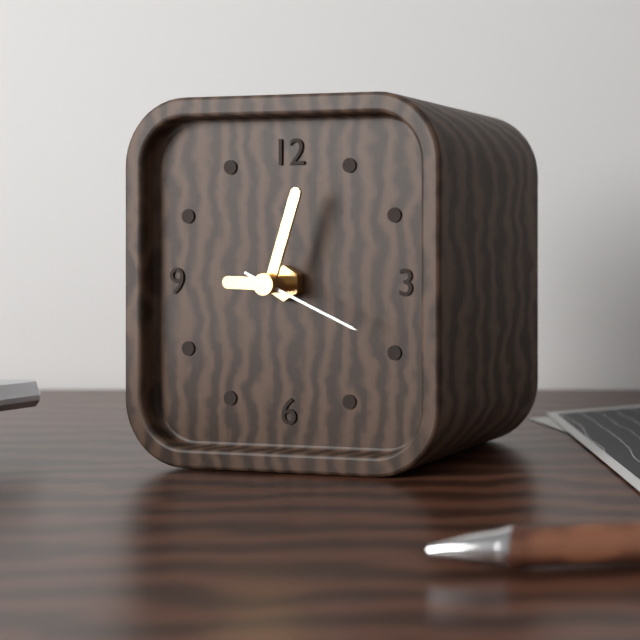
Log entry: 9 h 03 min 19 s
